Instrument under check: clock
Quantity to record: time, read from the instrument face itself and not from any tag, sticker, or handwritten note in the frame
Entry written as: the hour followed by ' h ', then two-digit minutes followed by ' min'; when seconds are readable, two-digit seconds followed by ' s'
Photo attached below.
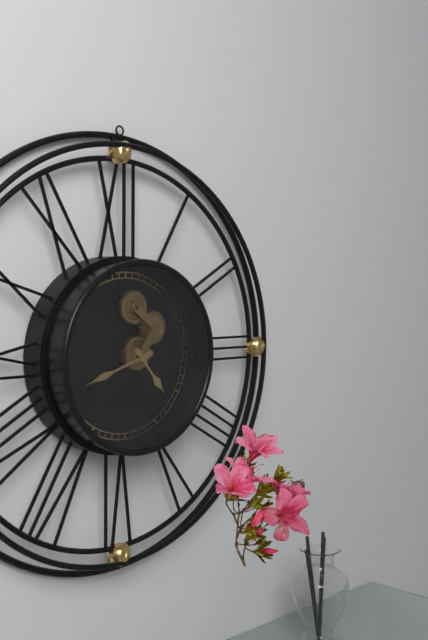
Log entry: 4 h 42 min
